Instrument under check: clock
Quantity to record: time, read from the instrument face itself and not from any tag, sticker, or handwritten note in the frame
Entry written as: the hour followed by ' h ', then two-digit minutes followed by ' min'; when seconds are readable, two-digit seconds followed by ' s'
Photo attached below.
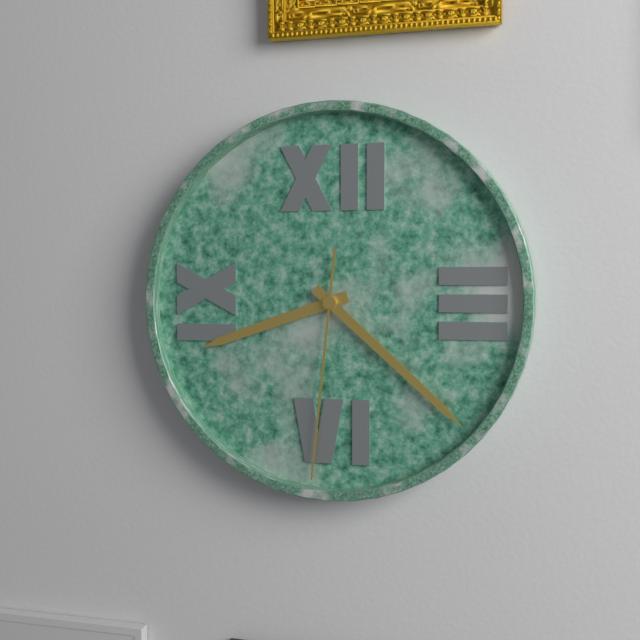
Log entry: 8 h 22 min 31 s
